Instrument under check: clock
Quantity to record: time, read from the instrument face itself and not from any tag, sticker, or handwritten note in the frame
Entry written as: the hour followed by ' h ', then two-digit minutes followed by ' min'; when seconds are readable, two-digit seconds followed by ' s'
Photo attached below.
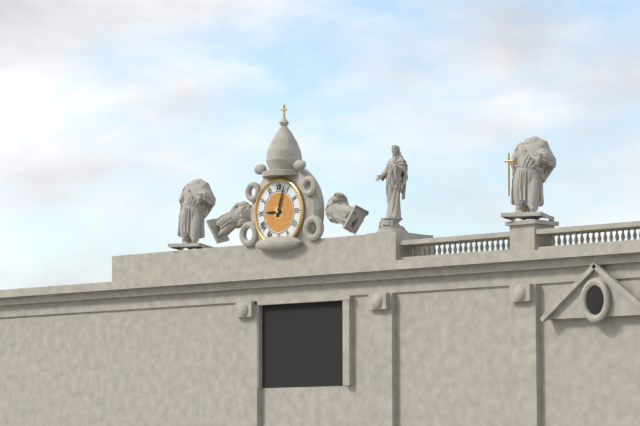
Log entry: 9 h 03 min
